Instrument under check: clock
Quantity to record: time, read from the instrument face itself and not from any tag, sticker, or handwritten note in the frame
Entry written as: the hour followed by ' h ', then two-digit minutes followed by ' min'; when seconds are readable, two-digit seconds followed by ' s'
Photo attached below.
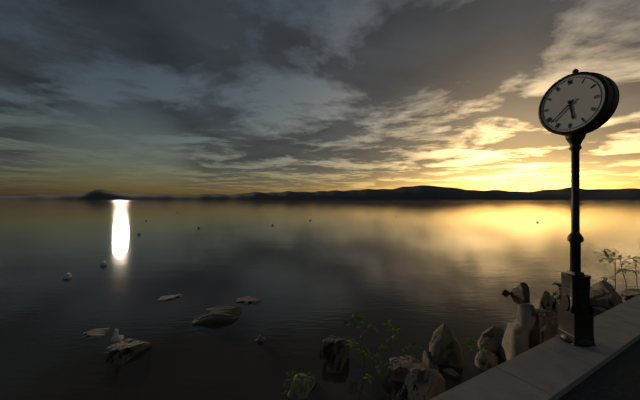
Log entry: 5 h 38 min
